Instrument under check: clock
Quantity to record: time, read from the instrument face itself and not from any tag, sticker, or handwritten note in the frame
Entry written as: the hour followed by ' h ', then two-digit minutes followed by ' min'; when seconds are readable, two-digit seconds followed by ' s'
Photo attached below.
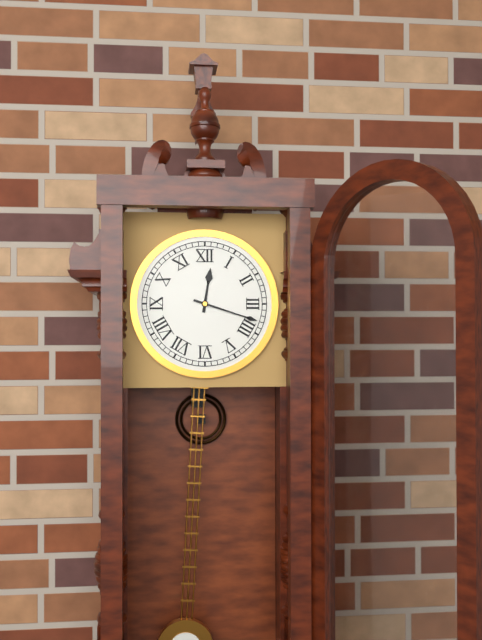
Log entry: 12 h 18 min
